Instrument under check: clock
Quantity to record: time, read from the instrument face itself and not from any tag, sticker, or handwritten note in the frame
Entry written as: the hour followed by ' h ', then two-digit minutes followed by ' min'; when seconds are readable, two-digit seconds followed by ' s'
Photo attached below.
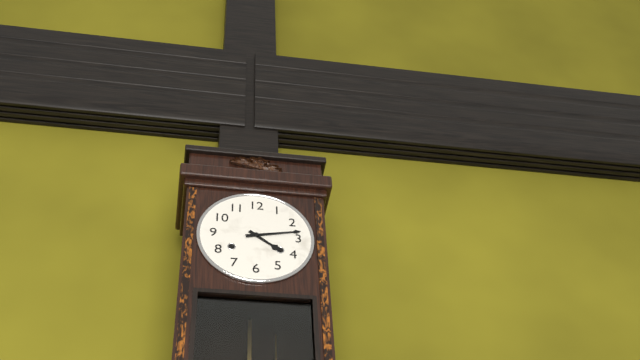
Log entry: 4 h 13 min
